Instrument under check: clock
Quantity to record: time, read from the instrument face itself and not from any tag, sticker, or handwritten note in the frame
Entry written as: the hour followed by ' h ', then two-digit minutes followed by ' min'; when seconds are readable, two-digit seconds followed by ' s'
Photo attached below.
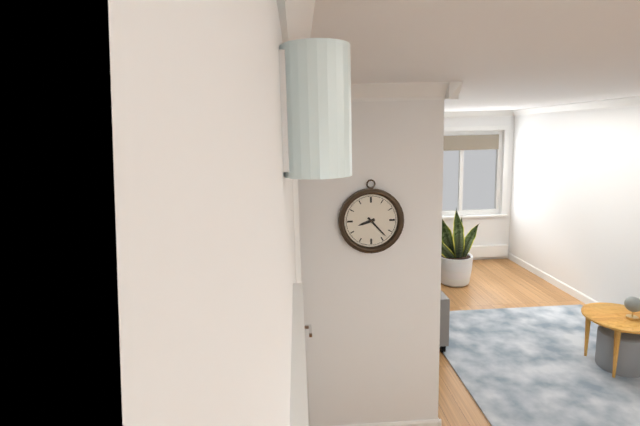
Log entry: 8 h 23 min
